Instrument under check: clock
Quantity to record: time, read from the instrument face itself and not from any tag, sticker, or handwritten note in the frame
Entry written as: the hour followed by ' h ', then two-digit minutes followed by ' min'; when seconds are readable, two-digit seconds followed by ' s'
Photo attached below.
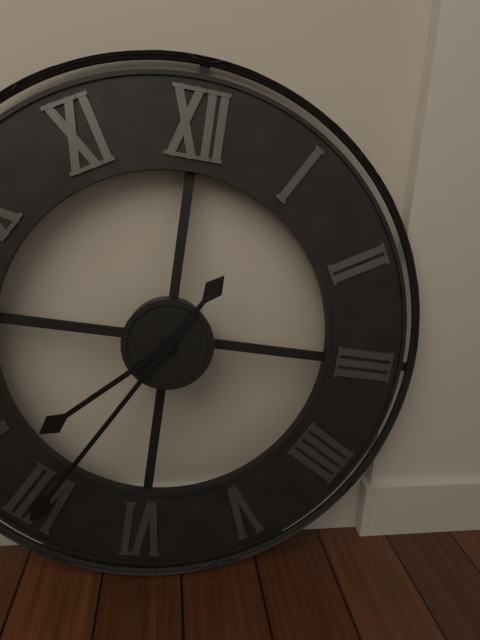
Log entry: 7 h 35 min
